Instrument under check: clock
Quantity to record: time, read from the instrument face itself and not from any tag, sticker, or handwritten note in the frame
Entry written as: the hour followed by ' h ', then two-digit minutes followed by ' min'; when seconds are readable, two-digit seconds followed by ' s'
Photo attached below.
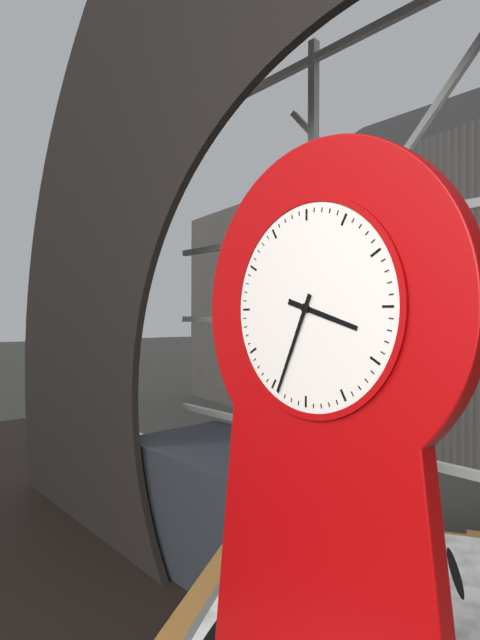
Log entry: 3 h 34 min
